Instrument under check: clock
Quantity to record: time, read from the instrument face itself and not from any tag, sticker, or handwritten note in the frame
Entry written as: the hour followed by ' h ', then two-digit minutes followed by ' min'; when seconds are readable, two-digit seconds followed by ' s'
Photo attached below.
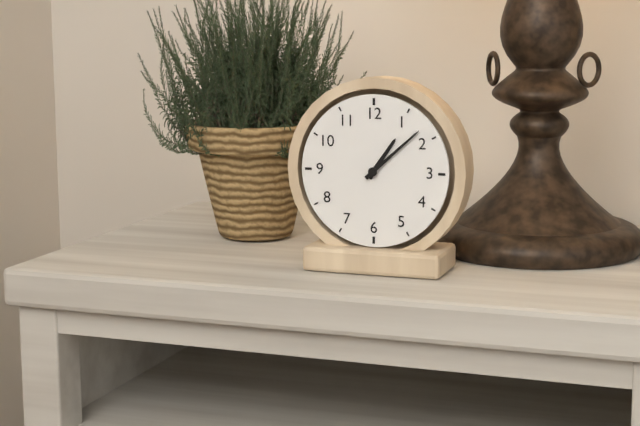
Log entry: 1 h 08 min
